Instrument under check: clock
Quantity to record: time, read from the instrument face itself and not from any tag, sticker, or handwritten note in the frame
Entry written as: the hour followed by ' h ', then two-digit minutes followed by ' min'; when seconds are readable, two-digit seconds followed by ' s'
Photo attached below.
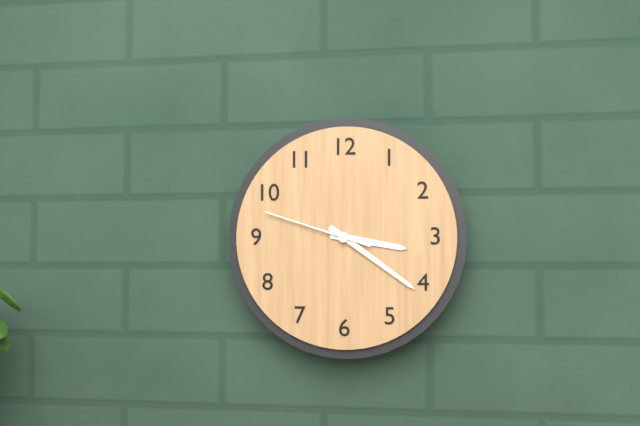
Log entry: 3 h 21 min 48 s
